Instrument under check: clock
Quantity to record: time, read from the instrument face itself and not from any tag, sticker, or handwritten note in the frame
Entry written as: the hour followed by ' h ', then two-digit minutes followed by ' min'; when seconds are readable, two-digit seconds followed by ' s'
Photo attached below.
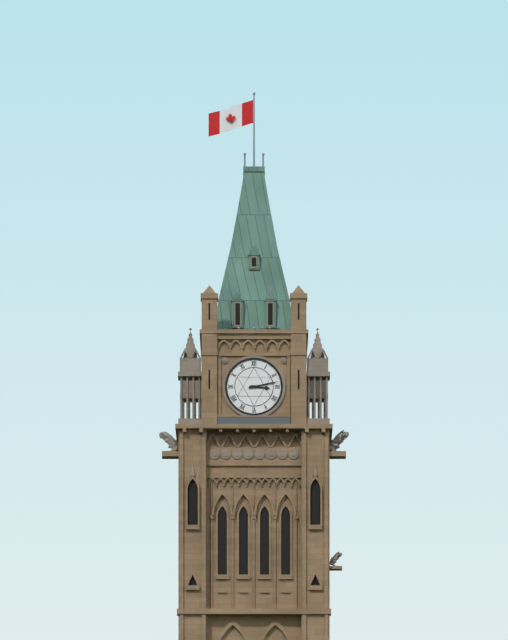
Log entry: 3 h 13 min
